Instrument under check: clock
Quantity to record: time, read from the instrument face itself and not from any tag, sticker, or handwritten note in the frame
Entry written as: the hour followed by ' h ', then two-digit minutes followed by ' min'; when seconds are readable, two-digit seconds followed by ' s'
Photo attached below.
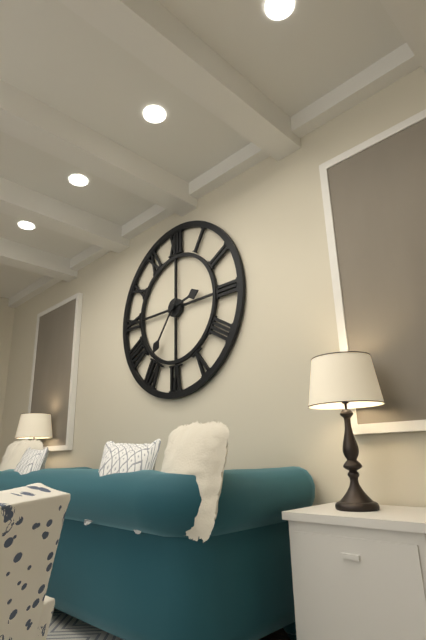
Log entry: 2 h 36 min
